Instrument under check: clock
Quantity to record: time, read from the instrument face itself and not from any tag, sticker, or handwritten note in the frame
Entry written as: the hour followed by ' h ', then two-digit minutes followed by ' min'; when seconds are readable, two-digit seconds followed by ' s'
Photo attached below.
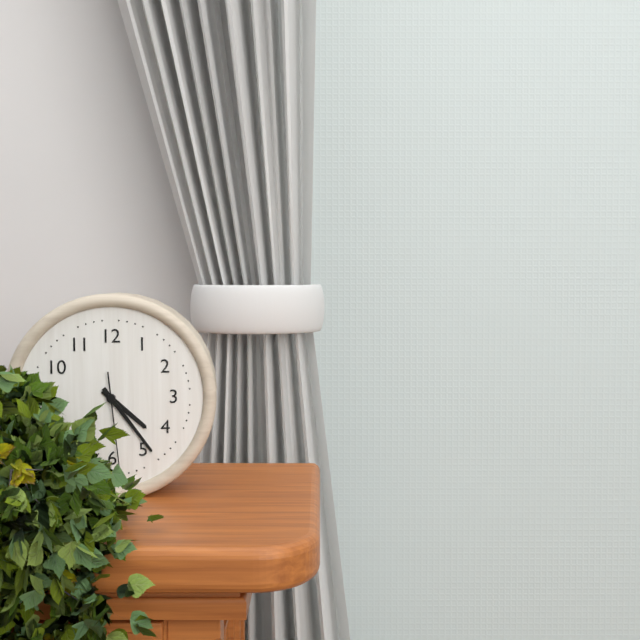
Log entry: 4 h 24 min 29 s
